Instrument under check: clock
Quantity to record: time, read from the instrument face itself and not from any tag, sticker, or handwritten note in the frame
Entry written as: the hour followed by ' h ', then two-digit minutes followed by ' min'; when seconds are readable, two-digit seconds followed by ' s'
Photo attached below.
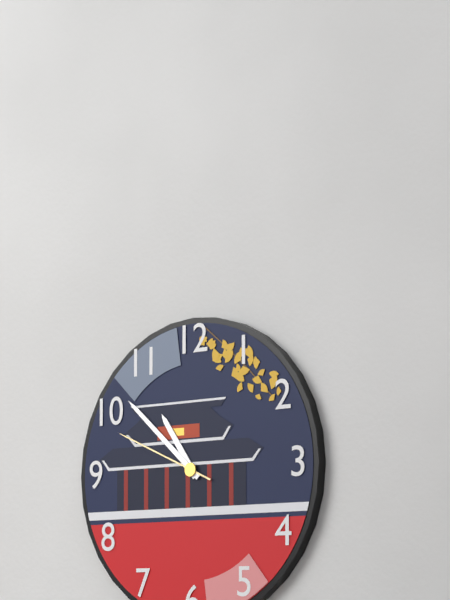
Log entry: 10 h 52 min 49 s
